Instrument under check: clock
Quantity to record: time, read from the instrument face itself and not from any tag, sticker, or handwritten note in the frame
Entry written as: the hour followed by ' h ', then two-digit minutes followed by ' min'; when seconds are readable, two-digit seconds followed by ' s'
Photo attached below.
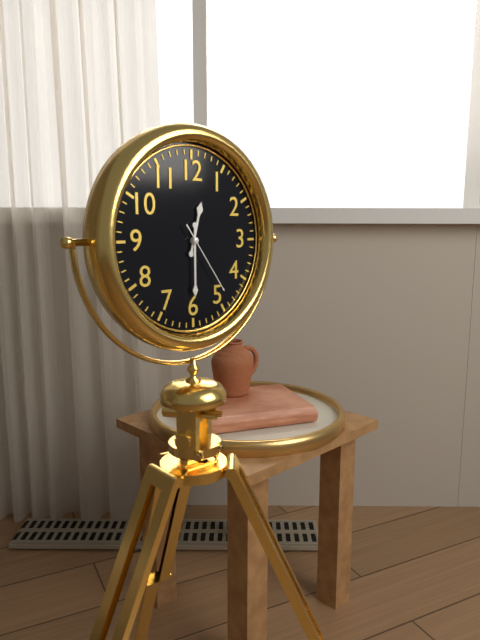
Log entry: 12 h 30 min 24 s
